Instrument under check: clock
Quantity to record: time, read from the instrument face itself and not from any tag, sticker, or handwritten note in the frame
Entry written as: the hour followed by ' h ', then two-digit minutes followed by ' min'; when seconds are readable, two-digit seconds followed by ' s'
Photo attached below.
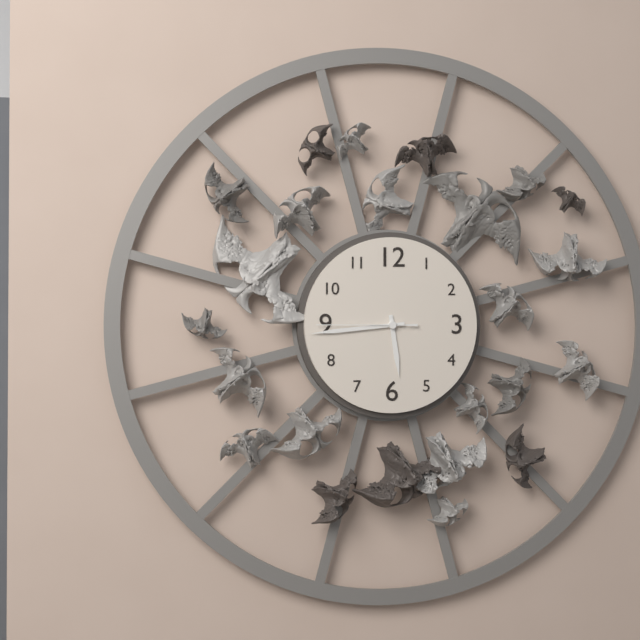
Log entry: 5 h 44 min 45 s
